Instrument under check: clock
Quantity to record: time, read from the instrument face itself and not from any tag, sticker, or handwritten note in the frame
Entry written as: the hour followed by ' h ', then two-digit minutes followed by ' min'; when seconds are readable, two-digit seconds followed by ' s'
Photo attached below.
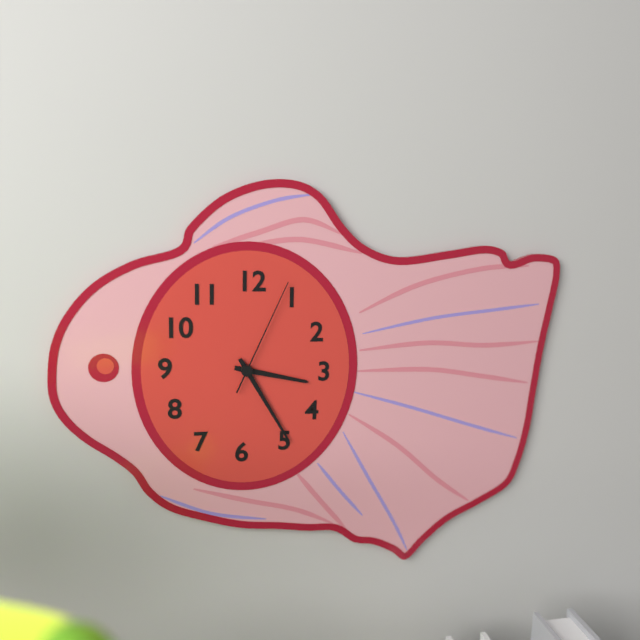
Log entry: 3 h 25 min 04 s
